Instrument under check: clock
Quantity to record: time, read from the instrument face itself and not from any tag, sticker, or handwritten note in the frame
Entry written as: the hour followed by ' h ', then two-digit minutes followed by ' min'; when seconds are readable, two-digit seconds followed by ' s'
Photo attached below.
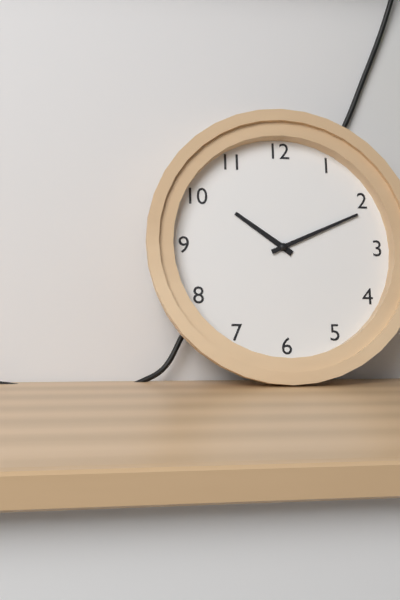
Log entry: 10 h 11 min
